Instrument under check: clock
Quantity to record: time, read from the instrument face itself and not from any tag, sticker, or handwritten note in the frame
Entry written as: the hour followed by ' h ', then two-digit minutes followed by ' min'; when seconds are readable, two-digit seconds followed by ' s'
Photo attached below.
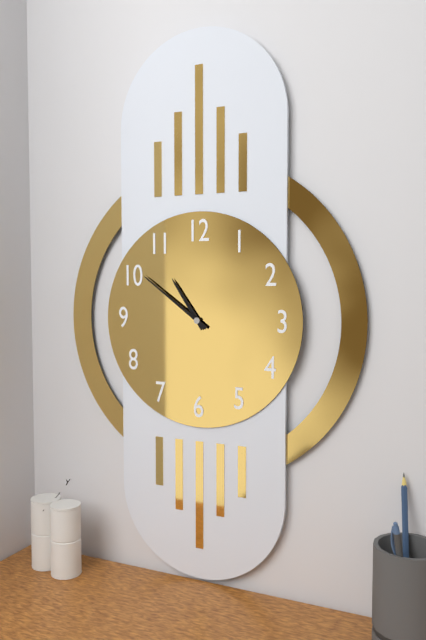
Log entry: 10 h 51 min
